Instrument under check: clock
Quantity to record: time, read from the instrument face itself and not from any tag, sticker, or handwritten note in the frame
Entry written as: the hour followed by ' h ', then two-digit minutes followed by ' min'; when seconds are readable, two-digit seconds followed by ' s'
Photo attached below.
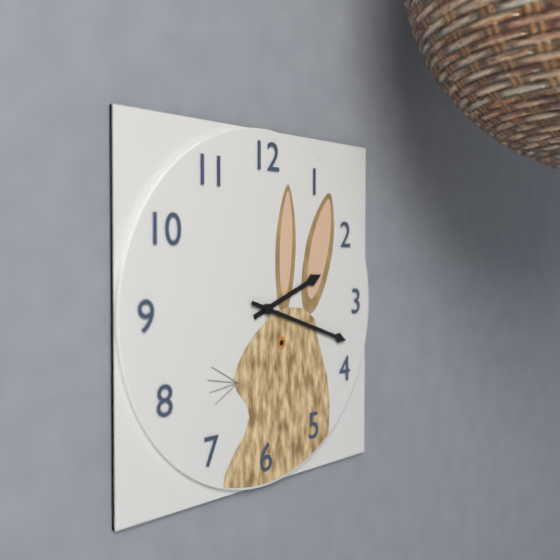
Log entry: 2 h 18 min
